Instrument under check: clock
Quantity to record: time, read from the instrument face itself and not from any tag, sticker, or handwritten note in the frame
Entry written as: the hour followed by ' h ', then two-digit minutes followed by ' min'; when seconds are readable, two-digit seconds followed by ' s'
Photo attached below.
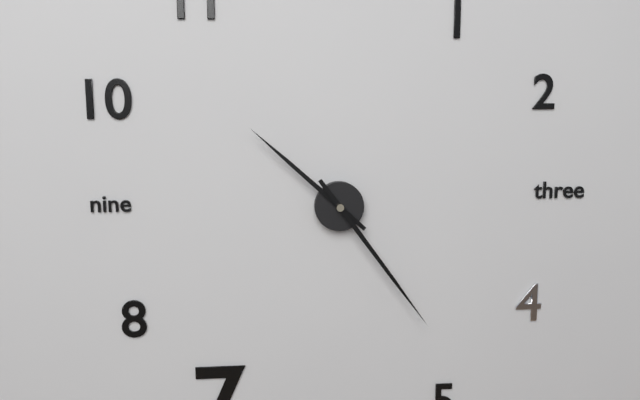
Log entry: 10 h 24 min
